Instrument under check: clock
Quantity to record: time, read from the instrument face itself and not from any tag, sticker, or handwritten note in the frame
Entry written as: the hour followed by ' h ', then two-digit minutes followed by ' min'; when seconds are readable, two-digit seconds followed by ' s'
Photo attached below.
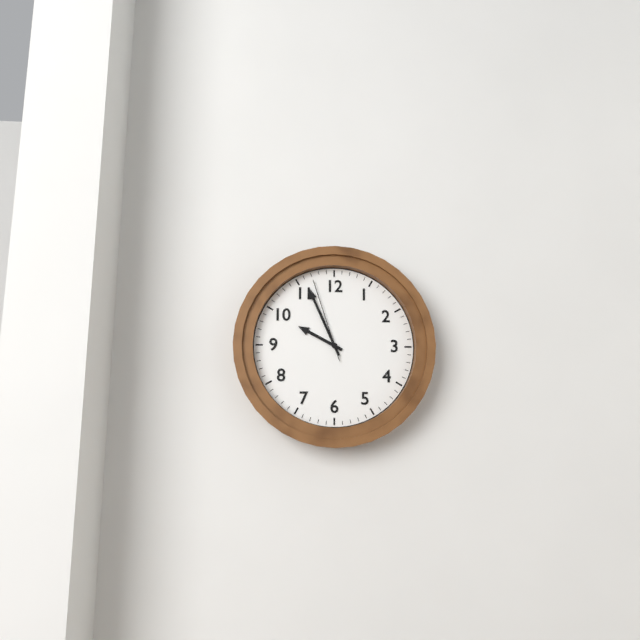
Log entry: 9 h 56 min 57 s
